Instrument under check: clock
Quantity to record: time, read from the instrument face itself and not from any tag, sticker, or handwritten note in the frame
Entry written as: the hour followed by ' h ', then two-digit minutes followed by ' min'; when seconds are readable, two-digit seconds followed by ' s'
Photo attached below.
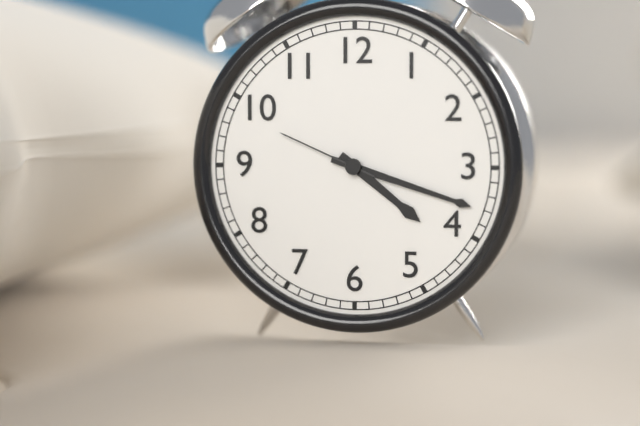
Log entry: 4 h 18 min 49 s
